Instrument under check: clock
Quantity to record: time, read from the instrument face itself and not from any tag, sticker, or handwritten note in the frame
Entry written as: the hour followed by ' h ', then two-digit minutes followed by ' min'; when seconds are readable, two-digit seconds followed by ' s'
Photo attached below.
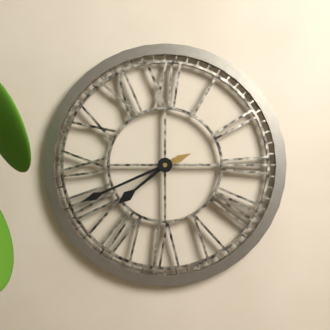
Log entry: 7 h 41 min
